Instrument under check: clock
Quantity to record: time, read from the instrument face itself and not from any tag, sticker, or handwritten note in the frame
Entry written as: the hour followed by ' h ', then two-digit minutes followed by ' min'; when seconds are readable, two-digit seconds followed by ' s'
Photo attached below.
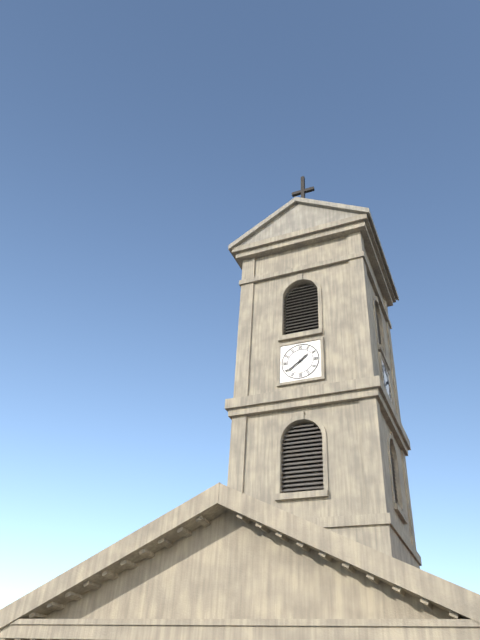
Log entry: 1 h 39 min
